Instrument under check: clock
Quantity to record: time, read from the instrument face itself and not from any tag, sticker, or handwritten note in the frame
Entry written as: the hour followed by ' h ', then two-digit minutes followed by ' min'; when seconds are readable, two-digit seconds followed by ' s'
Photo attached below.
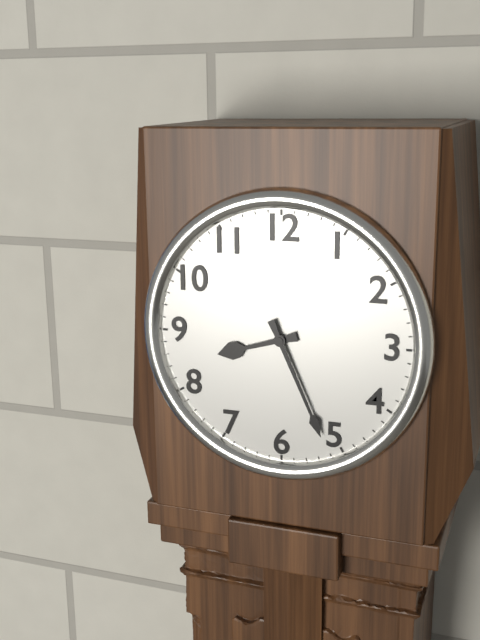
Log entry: 8 h 26 min
